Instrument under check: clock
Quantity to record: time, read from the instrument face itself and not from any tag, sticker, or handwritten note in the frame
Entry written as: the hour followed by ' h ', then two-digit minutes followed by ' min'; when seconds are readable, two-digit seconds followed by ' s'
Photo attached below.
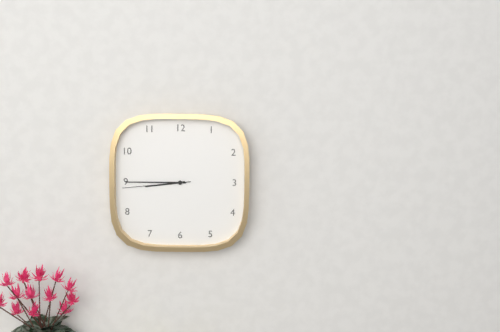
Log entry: 8 h 45 min 44 s
